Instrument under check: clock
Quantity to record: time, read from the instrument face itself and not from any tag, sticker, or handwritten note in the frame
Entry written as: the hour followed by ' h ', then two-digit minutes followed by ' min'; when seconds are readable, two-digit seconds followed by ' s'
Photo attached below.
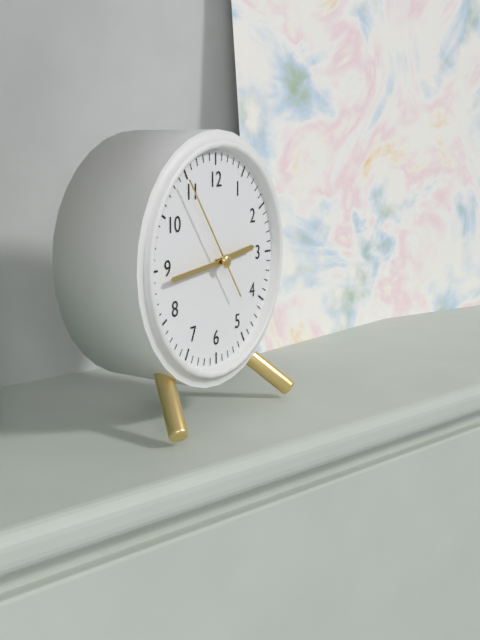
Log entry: 2 h 44 min 54 s
